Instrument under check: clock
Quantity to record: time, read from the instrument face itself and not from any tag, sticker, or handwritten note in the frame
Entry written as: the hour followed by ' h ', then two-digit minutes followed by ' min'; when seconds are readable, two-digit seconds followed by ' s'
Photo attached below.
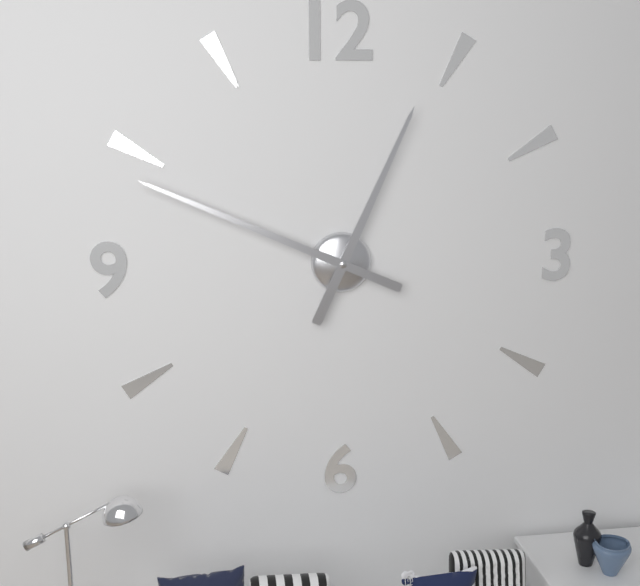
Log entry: 12 h 49 min
